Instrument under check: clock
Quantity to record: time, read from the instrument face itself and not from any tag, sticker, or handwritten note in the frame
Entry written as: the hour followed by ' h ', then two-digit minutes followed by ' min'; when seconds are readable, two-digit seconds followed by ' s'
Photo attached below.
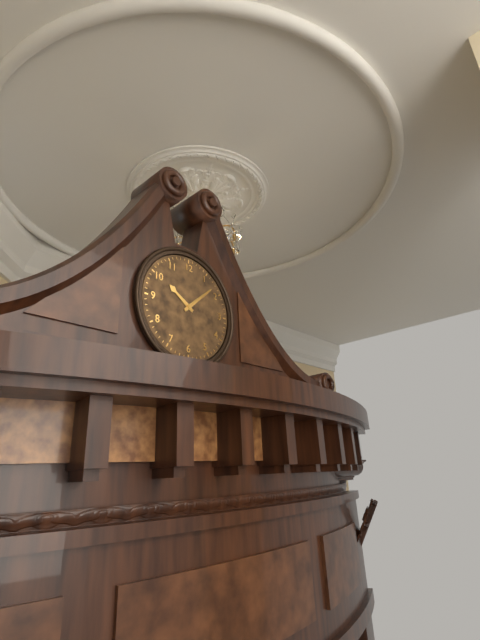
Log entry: 10 h 08 min
